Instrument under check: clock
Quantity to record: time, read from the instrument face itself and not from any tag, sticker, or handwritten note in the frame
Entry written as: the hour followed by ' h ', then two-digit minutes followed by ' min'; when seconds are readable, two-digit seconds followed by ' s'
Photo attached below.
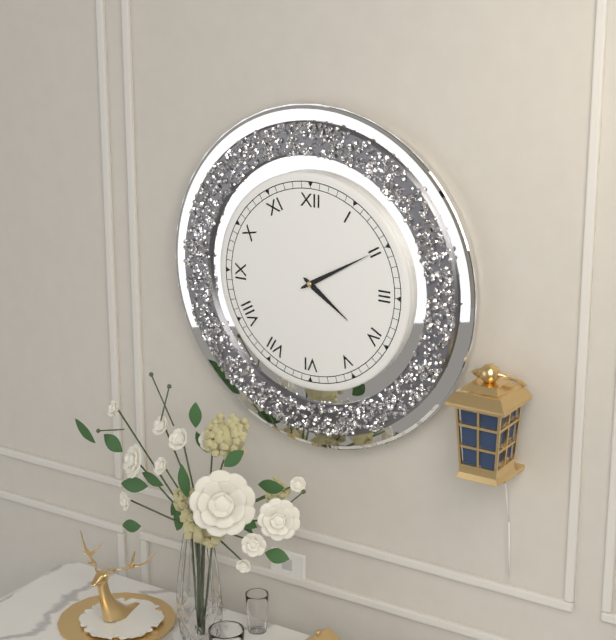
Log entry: 4 h 10 min
